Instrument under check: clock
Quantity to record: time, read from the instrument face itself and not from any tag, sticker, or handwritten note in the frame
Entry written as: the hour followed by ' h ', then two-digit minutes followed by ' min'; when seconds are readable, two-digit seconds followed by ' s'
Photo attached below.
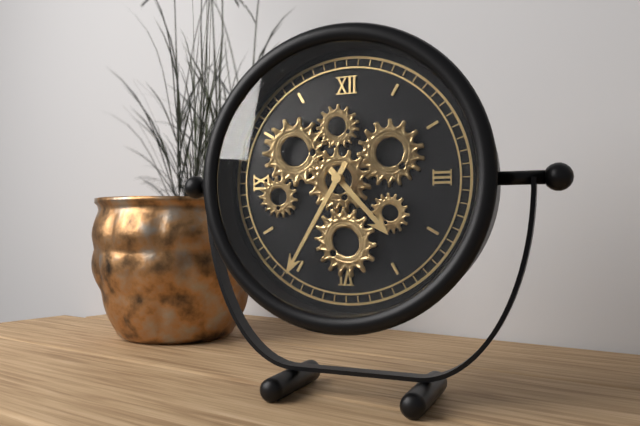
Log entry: 4 h 35 min
